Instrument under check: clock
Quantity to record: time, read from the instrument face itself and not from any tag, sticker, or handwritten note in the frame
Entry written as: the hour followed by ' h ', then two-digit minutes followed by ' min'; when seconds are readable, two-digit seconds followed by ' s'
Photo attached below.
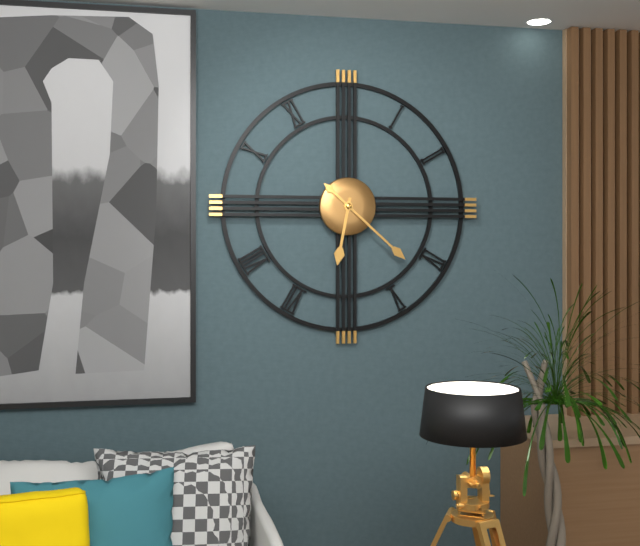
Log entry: 6 h 22 min
